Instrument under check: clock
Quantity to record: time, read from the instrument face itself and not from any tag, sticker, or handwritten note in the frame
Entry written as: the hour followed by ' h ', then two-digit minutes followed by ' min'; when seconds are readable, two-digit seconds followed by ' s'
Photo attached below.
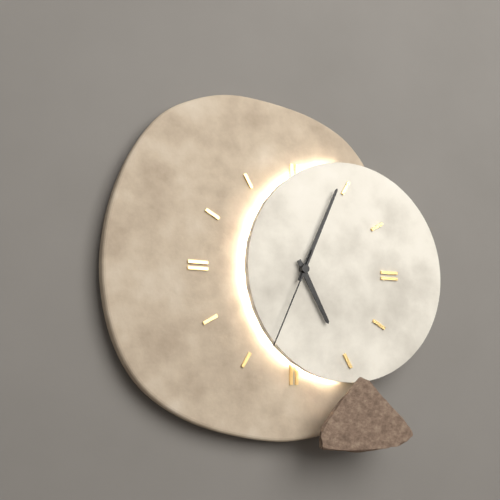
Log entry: 5 h 04 min 34 s
